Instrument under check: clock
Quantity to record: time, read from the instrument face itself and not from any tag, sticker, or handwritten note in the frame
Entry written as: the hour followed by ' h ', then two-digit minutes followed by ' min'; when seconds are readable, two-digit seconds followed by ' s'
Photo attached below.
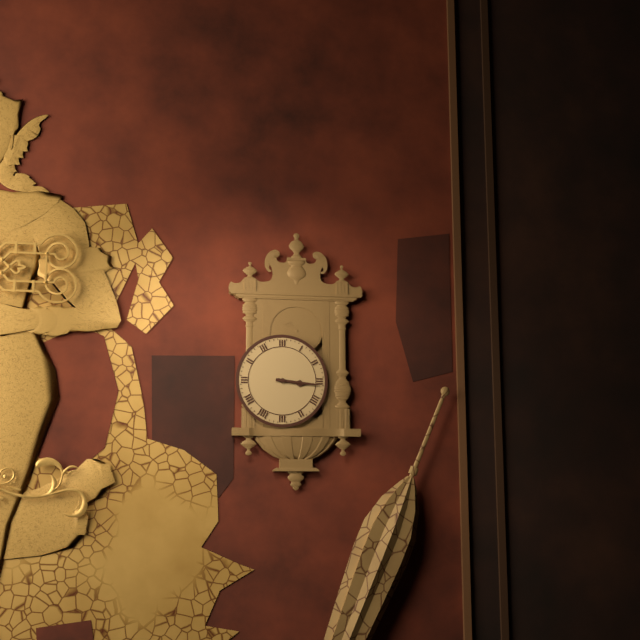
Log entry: 3 h 16 min
